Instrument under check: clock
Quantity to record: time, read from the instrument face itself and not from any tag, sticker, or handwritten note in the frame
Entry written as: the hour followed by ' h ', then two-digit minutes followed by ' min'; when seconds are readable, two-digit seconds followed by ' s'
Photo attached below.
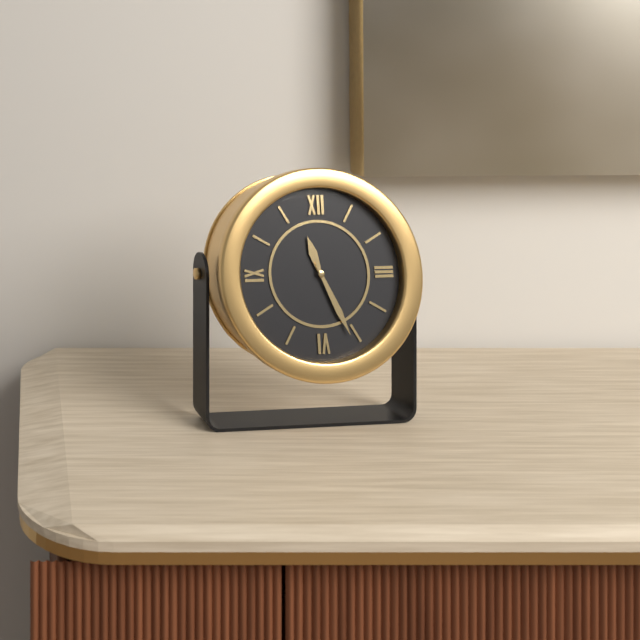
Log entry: 11 h 26 min
